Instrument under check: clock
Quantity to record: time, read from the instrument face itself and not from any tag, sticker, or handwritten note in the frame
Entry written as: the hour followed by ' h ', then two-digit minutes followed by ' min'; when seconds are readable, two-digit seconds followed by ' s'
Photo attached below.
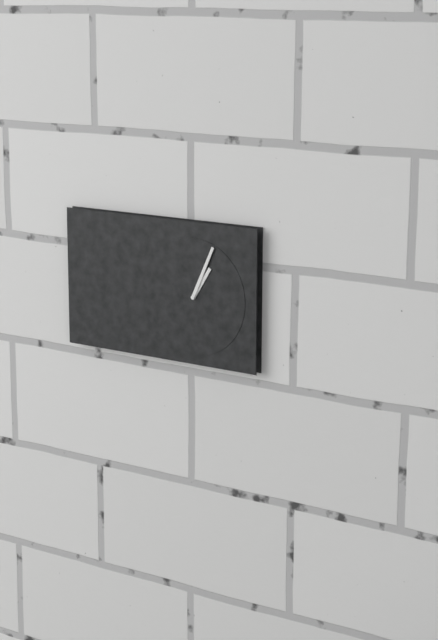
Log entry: 1 h 04 min
